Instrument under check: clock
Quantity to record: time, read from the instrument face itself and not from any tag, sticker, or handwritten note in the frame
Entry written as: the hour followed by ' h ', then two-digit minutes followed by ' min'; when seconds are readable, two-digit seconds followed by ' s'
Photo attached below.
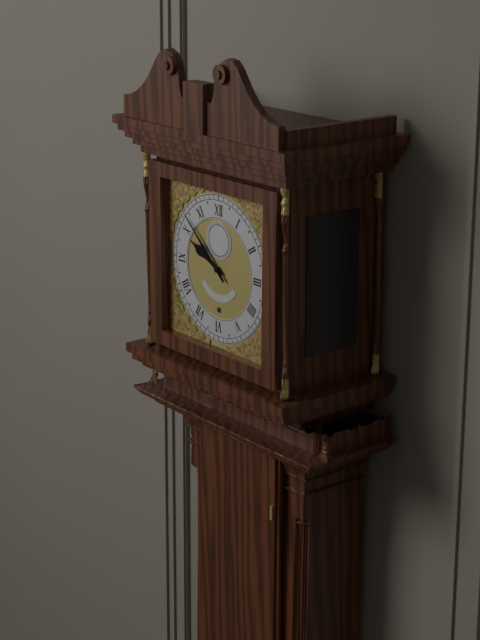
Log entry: 9 h 52 min
